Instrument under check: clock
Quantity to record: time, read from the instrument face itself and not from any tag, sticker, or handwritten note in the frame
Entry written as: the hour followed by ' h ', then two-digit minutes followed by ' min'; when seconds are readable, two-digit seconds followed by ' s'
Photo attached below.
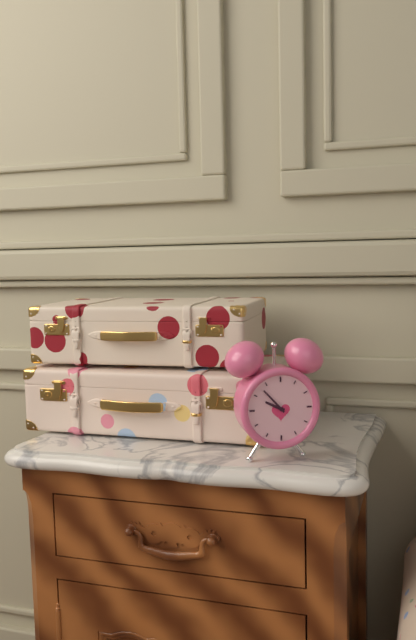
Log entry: 9 h 53 min
